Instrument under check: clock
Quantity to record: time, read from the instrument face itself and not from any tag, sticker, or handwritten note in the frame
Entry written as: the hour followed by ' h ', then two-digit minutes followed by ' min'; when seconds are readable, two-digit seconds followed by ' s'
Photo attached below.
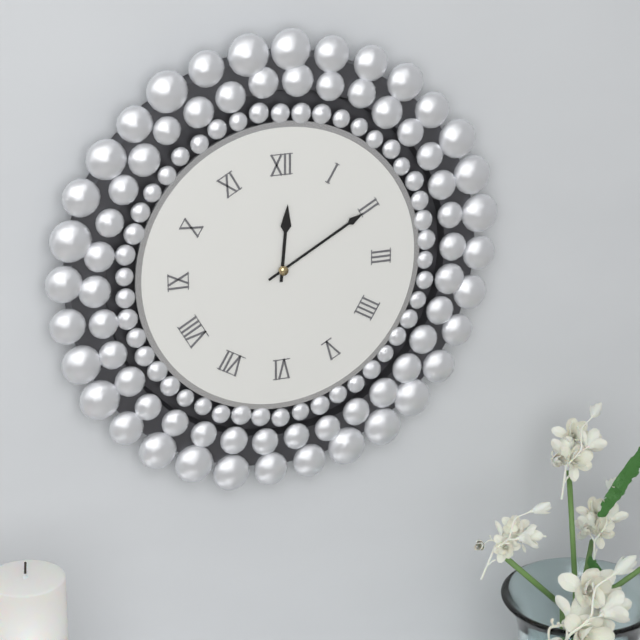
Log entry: 12 h 10 min
